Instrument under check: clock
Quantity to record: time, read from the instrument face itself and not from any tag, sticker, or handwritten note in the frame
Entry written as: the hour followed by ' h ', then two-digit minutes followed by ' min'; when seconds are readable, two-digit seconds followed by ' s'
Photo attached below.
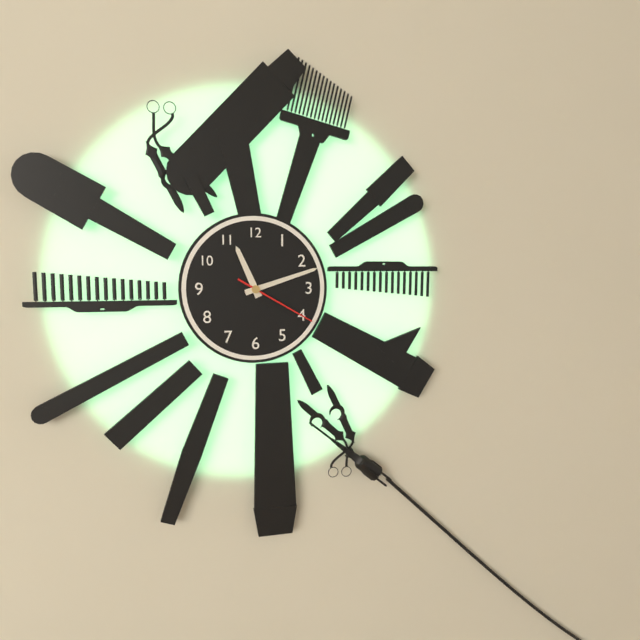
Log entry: 11 h 12 min 20 s
